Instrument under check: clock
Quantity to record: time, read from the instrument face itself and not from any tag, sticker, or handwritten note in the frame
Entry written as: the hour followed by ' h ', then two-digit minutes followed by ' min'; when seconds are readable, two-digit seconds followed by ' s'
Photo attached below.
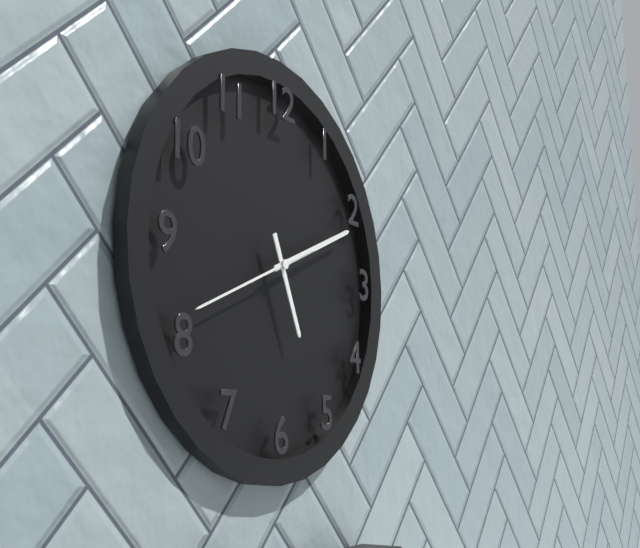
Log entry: 5 h 11 min 41 s
